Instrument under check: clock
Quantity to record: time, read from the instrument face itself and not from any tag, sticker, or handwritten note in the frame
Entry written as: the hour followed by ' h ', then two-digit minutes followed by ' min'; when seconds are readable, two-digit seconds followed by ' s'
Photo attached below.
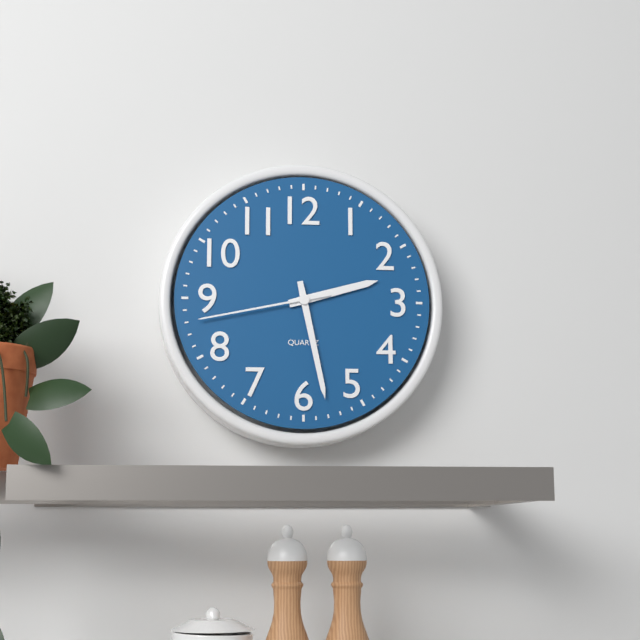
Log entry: 2 h 28 min 43 s
